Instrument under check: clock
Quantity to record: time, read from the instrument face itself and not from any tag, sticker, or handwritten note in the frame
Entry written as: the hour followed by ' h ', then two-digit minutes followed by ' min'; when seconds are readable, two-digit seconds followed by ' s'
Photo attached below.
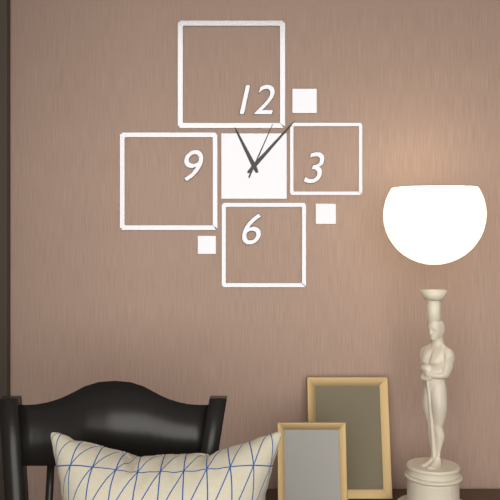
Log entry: 11 h 07 min 04 s
